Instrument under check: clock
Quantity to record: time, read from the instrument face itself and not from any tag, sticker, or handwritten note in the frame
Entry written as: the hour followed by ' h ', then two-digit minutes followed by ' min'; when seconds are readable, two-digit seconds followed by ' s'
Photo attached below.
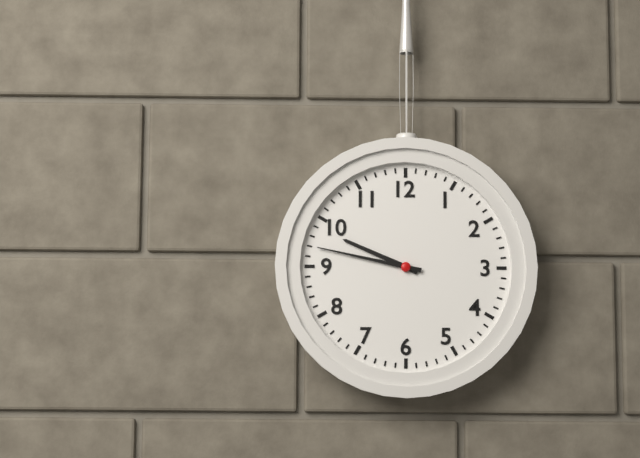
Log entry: 9 h 47 min
